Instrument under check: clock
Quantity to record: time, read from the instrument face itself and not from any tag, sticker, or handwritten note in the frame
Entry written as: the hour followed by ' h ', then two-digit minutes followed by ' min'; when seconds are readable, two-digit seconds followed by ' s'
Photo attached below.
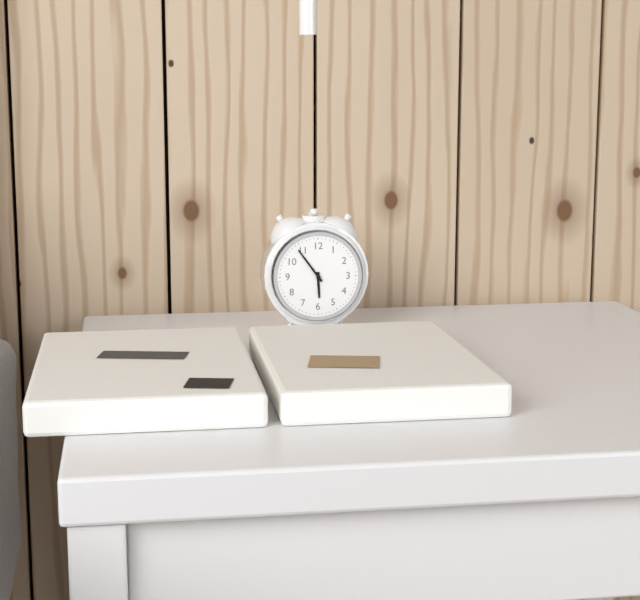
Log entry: 5 h 54 min
